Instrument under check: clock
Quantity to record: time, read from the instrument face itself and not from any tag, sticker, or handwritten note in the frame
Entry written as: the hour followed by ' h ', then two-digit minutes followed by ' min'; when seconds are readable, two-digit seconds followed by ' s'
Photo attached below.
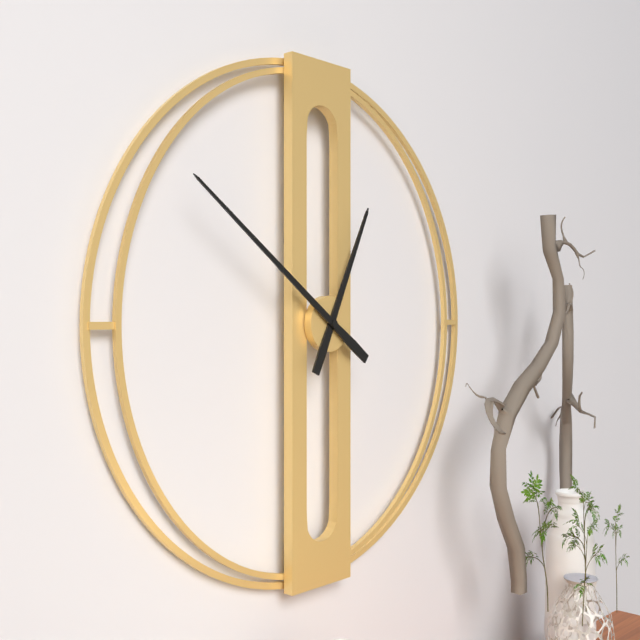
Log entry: 12 h 51 min
